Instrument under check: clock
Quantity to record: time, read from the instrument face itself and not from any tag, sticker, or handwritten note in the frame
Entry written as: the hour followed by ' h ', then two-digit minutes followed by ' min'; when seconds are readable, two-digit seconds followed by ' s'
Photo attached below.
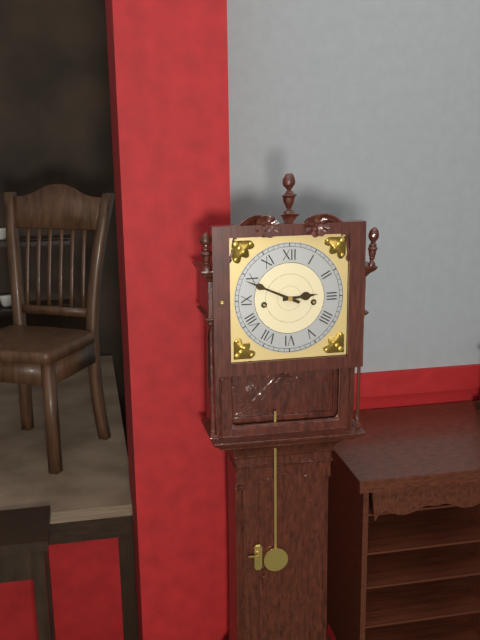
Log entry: 2 h 49 min
